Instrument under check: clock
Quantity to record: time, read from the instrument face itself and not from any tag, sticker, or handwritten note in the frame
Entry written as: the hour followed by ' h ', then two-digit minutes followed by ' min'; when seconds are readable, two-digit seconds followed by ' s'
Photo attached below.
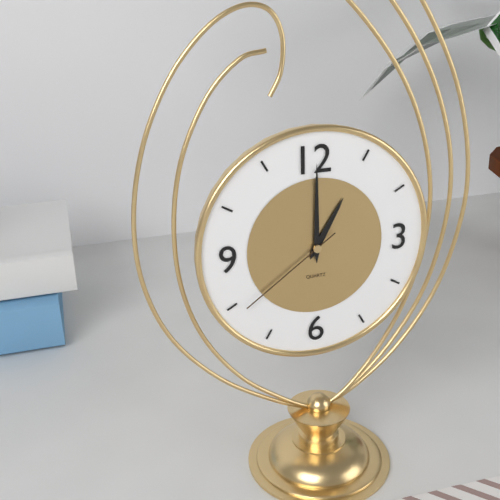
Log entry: 1 h 00 min 39 s
